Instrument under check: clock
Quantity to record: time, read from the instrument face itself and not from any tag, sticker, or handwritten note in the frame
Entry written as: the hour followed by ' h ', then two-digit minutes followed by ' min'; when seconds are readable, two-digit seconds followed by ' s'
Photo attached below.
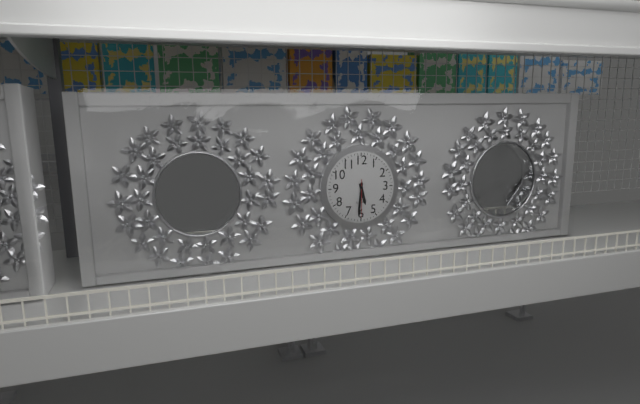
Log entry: 5 h 31 min
